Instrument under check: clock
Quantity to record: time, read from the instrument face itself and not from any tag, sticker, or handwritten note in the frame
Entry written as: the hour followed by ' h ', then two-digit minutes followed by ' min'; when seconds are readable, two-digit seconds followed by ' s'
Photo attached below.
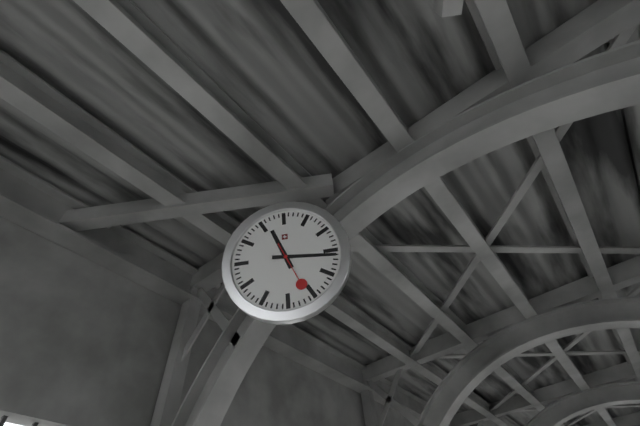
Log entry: 11 h 16 min
